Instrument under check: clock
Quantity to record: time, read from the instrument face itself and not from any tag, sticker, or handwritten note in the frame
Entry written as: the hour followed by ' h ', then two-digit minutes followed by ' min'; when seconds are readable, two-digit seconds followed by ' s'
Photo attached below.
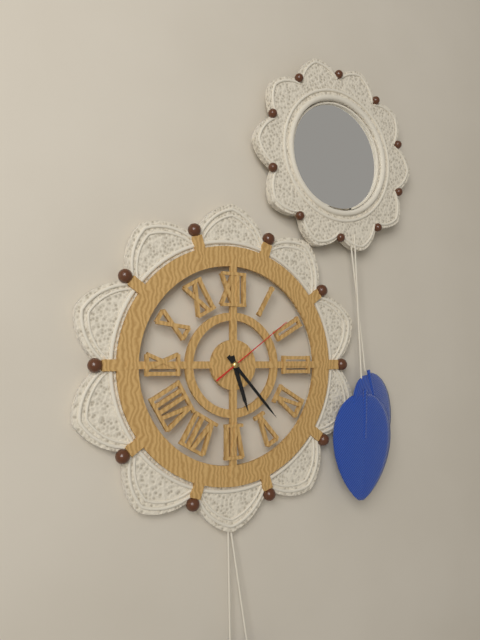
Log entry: 5 h 23 min 09 s
